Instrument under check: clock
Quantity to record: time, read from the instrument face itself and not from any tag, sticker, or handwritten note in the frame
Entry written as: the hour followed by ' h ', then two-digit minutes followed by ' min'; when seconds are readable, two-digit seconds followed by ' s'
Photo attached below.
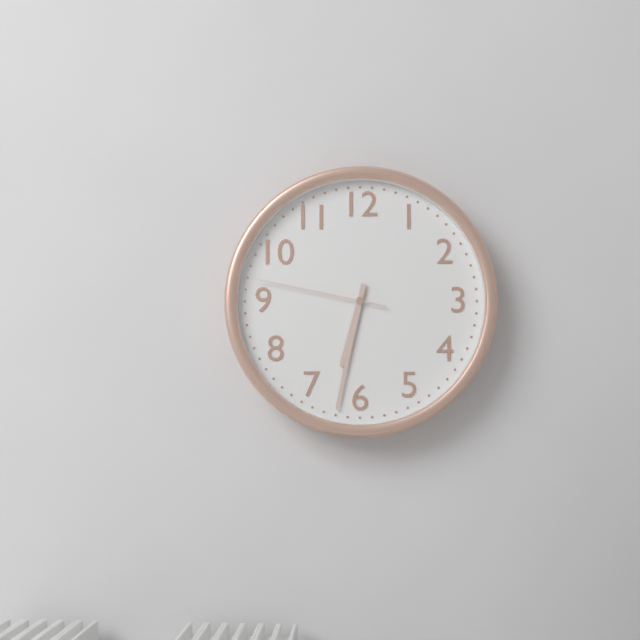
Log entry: 6 h 32 min 47 s
